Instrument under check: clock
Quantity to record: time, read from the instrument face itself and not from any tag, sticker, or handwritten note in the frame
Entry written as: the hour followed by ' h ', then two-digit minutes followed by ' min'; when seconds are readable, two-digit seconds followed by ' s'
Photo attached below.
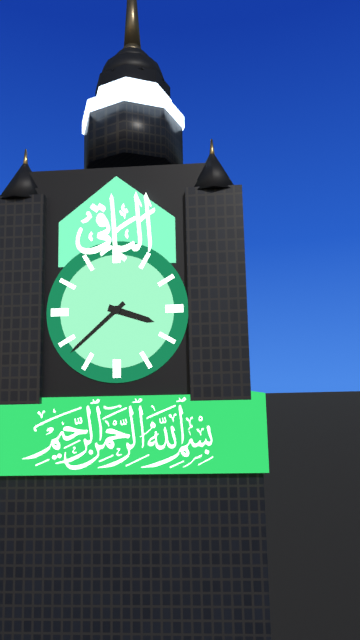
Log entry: 3 h 38 min
